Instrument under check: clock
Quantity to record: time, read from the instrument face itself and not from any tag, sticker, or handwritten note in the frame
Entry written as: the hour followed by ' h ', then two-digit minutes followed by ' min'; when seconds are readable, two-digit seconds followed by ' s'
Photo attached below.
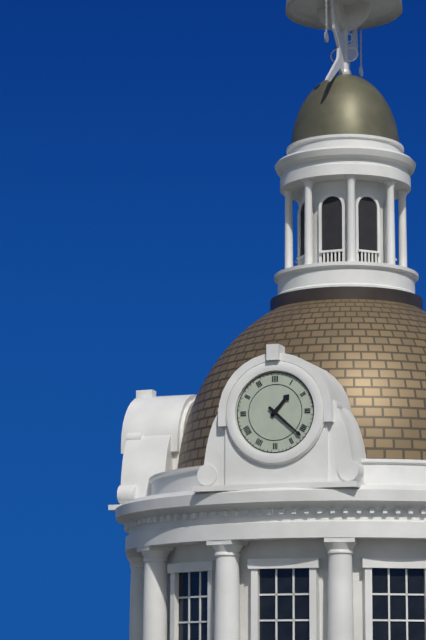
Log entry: 1 h 22 min
